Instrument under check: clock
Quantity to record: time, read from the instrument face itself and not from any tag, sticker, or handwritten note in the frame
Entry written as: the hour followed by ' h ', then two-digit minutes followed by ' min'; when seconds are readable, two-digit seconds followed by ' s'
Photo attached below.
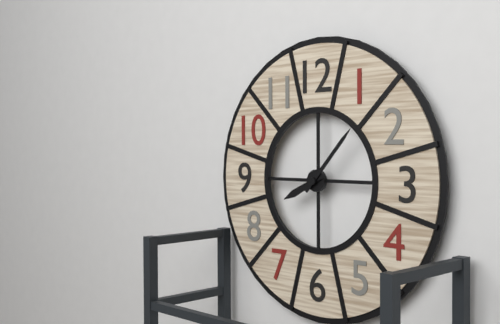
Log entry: 8 h 07 min
